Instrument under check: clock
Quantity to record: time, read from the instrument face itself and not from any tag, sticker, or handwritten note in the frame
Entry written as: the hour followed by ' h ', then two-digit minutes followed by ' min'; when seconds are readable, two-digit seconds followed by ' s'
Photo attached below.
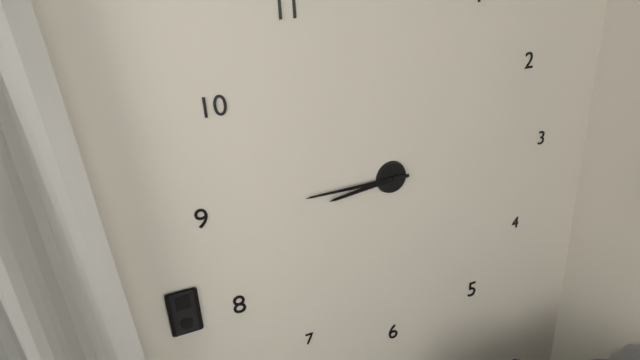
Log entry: 8 h 45 min
